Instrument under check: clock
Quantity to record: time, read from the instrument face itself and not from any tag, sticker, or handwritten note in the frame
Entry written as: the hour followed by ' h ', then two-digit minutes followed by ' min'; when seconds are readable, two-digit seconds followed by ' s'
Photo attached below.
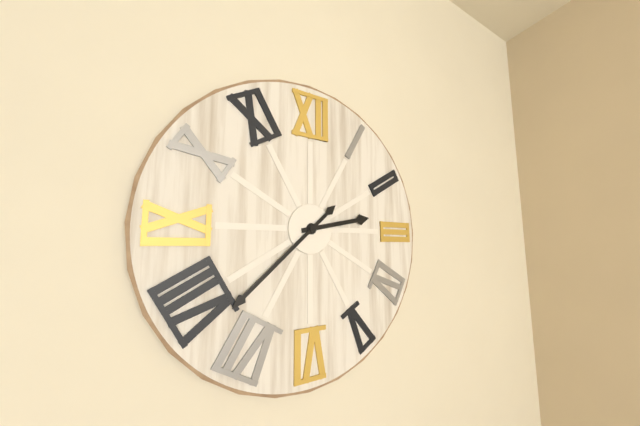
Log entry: 2 h 38 min
